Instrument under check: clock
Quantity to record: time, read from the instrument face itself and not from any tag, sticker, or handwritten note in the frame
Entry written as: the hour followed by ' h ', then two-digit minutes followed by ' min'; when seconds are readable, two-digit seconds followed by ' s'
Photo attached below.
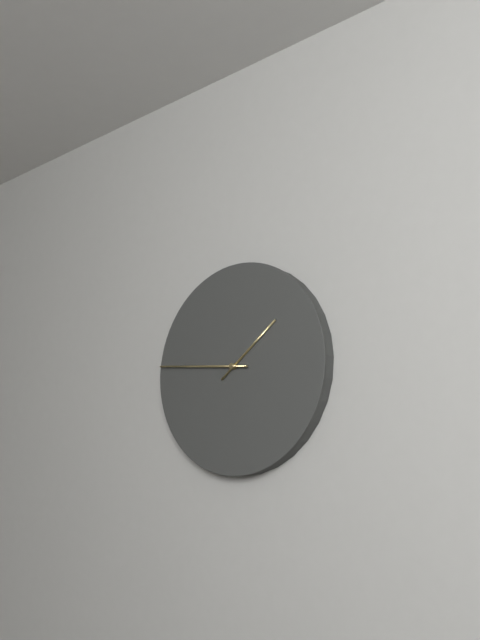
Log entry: 1 h 46 min
